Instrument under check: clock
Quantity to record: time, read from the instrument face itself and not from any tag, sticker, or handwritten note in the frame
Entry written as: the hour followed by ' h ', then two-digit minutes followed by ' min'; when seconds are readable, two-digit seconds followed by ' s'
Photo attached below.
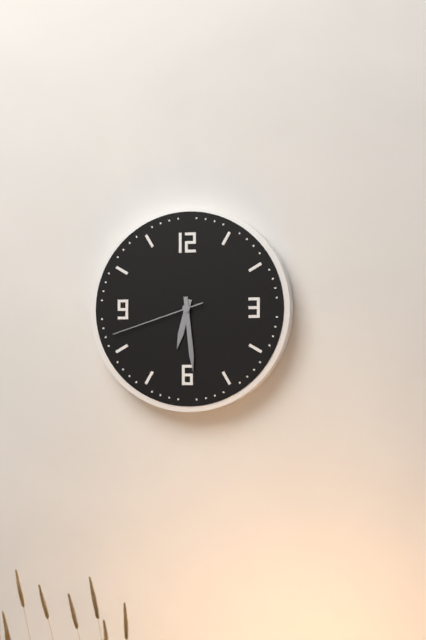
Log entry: 6 h 29 min 42 s
